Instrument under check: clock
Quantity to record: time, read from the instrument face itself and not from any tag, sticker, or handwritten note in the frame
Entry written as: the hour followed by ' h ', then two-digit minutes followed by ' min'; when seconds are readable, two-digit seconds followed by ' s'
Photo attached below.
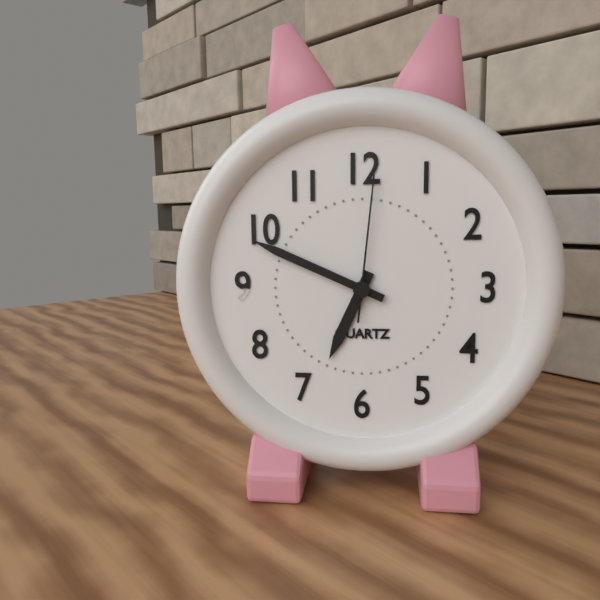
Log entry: 6 h 49 min 01 s
